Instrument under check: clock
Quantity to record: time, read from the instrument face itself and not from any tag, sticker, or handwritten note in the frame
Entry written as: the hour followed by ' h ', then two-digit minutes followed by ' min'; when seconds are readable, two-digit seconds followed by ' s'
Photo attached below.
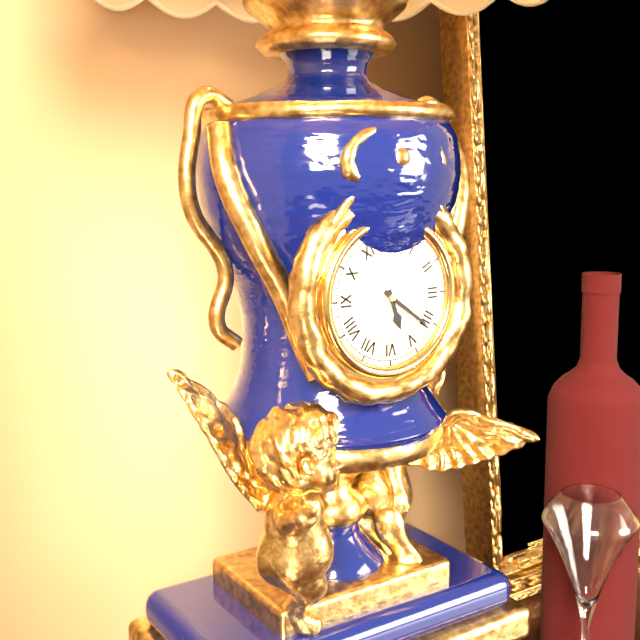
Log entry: 5 h 21 min
